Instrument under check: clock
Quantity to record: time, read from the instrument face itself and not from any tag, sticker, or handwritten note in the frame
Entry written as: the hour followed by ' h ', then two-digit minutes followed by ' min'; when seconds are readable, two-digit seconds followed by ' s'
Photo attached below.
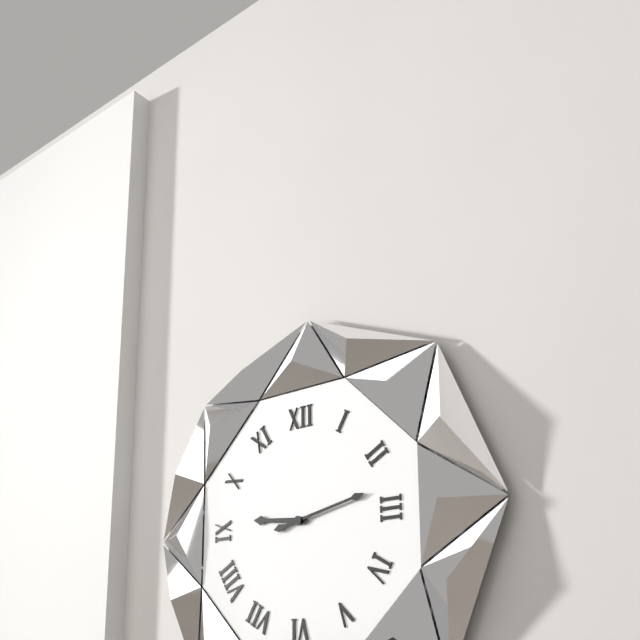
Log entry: 9 h 13 min
